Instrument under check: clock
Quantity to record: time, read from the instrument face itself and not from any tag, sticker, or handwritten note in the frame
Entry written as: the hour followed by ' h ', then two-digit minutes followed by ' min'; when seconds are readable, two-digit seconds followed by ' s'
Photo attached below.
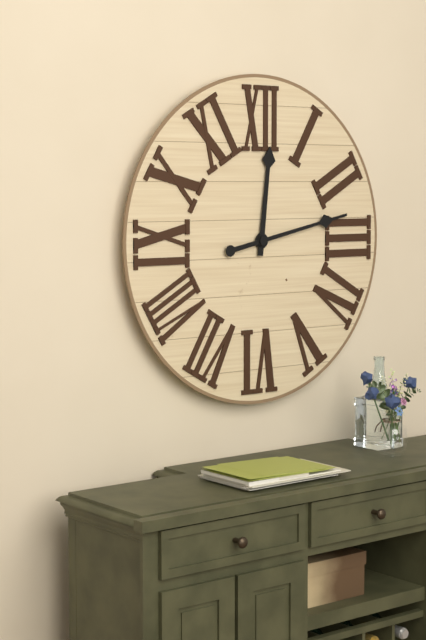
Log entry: 12 h 13 min
